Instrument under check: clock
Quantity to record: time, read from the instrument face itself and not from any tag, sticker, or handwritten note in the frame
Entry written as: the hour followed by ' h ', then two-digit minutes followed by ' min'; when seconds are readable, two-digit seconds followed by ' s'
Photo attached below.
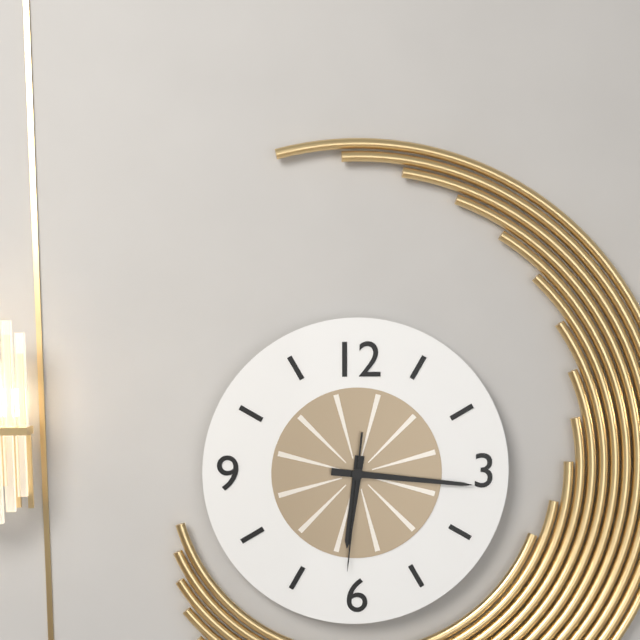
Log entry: 6 h 16 min 31 s
